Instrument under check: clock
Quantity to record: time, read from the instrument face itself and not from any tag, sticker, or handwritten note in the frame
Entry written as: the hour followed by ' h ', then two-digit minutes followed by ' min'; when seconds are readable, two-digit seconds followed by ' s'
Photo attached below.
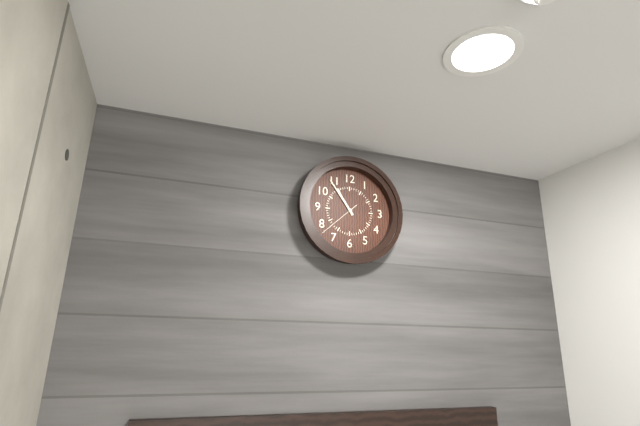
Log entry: 10 h 54 min
